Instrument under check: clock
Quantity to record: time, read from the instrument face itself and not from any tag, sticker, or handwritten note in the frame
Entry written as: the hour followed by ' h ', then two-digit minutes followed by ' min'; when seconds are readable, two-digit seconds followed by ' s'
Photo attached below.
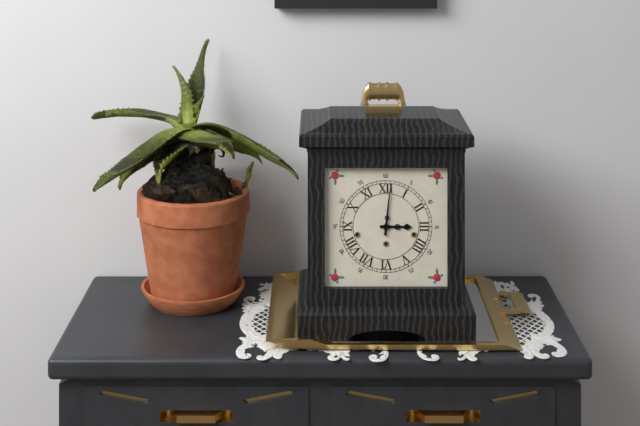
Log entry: 3 h 01 min
